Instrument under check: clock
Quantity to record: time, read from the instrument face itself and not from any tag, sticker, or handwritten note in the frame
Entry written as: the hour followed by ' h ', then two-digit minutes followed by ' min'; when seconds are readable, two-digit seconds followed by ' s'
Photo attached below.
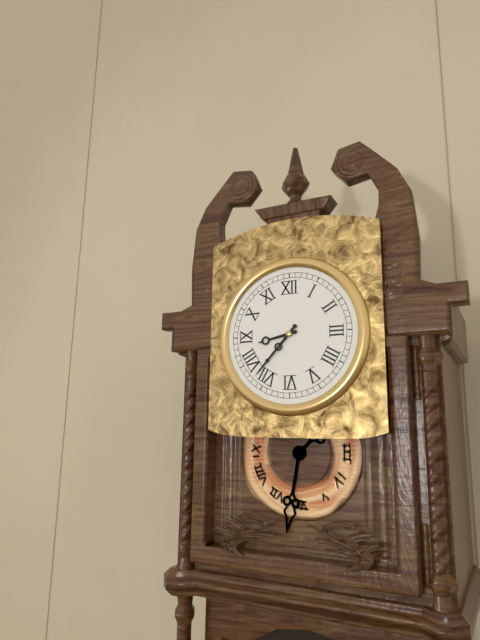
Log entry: 8 h 37 min
